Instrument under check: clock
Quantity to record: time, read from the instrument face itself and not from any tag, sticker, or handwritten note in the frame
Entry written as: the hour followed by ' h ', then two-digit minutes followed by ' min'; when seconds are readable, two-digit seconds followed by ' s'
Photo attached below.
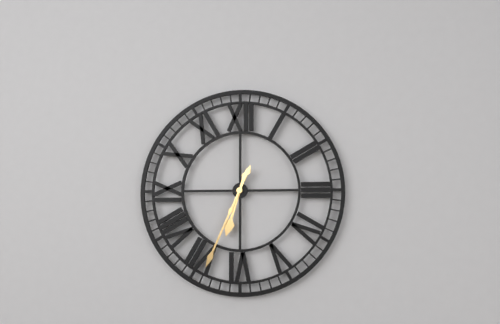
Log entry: 6 h 34 min
